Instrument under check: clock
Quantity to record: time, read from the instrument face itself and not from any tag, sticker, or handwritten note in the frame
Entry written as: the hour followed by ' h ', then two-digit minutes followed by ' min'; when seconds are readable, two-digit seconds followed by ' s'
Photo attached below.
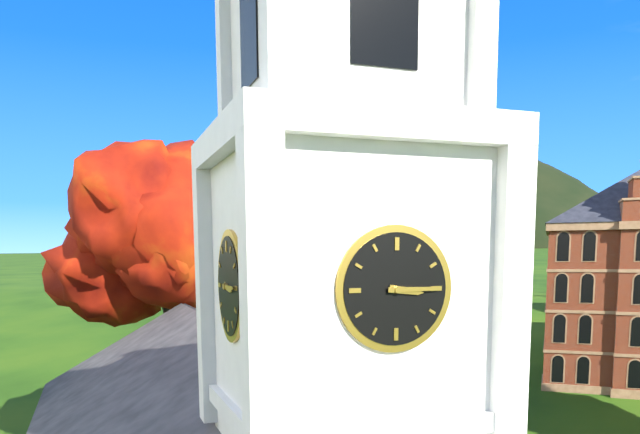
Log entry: 3 h 15 min
